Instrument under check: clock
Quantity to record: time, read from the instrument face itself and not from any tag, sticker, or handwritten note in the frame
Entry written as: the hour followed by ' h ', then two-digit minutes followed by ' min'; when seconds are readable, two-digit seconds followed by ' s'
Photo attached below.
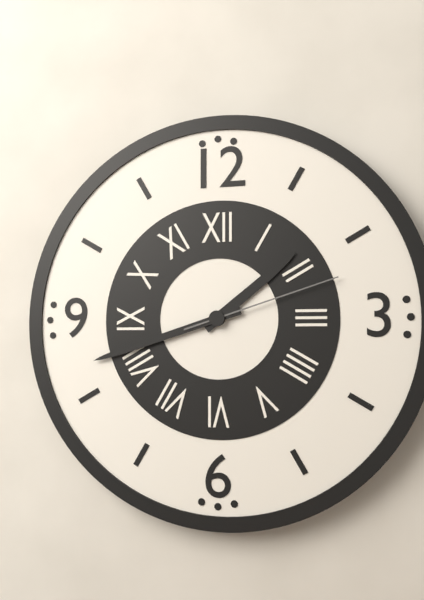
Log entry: 1 h 42 min 12 s
